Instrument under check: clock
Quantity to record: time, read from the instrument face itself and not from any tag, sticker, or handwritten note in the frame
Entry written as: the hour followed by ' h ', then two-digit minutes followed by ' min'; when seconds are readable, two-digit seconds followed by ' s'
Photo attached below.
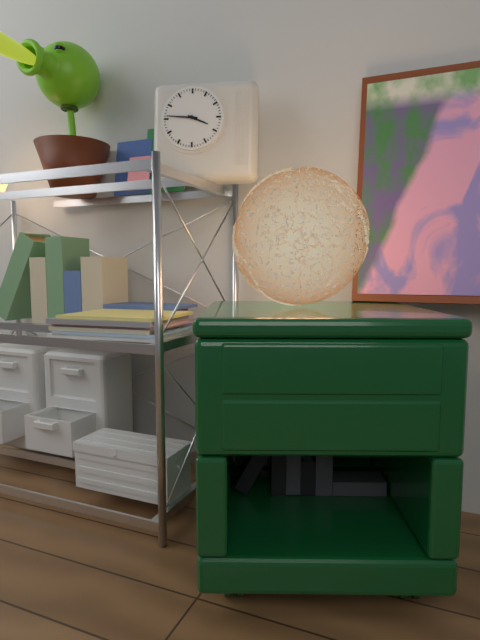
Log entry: 3 h 46 min
